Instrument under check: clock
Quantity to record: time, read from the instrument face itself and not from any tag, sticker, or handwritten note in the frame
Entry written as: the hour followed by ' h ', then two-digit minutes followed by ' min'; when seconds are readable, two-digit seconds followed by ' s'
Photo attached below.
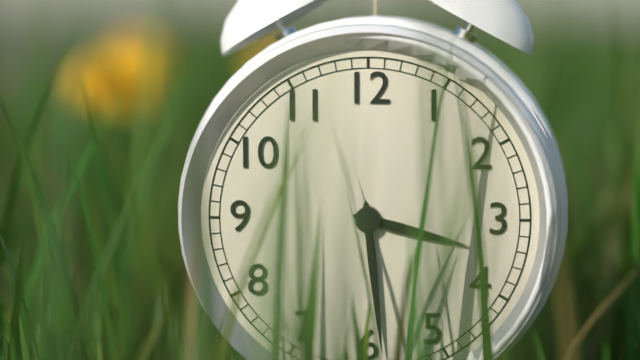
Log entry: 3 h 29 min
